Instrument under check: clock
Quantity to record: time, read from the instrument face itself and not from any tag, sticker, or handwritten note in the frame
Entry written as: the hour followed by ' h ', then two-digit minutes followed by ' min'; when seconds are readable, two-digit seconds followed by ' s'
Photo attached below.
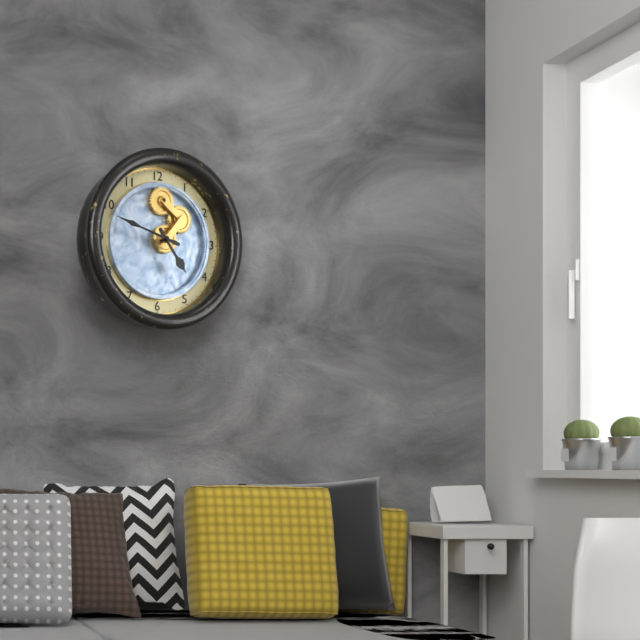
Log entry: 4 h 48 min
